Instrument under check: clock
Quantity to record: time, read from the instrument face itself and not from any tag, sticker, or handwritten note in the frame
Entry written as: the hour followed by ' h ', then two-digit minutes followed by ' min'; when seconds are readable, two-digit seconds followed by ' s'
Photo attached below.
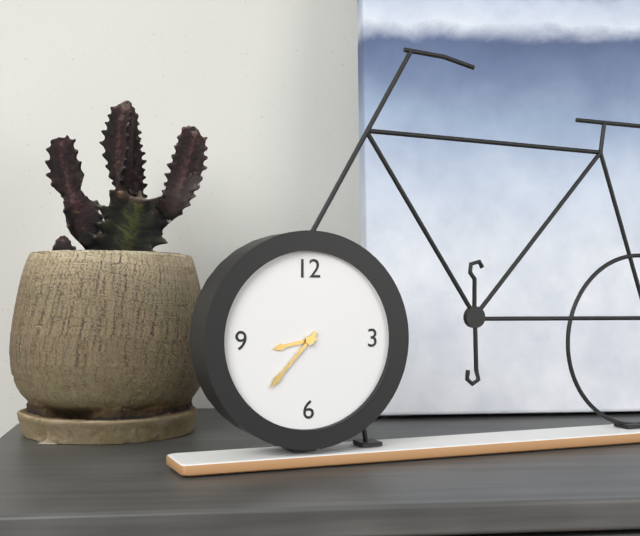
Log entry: 8 h 37 min
